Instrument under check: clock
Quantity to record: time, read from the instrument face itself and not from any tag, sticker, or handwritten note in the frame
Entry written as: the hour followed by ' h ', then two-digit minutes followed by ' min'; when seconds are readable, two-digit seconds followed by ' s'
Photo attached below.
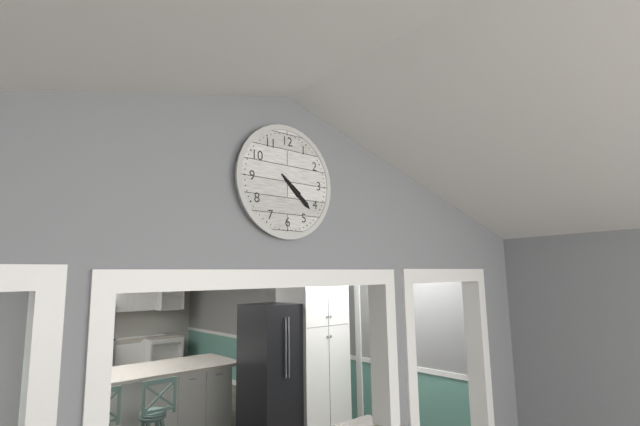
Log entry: 4 h 22 min
